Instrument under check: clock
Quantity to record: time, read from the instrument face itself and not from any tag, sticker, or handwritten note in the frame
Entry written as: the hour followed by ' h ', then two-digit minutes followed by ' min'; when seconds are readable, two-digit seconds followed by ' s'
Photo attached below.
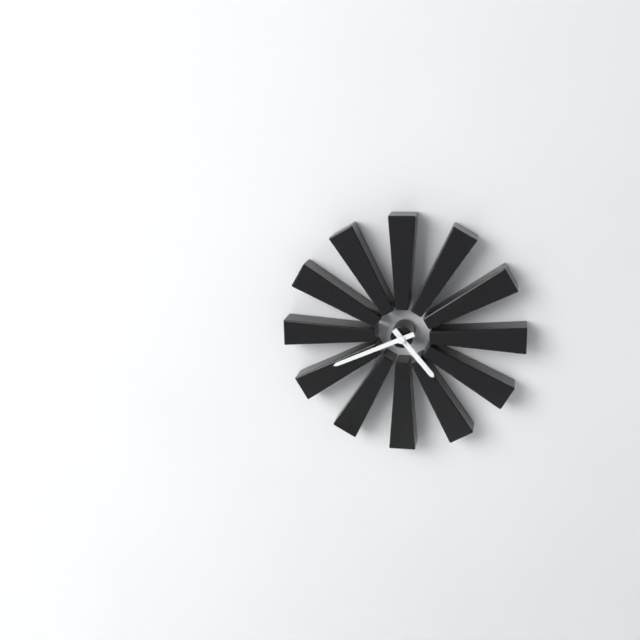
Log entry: 4 h 41 min
